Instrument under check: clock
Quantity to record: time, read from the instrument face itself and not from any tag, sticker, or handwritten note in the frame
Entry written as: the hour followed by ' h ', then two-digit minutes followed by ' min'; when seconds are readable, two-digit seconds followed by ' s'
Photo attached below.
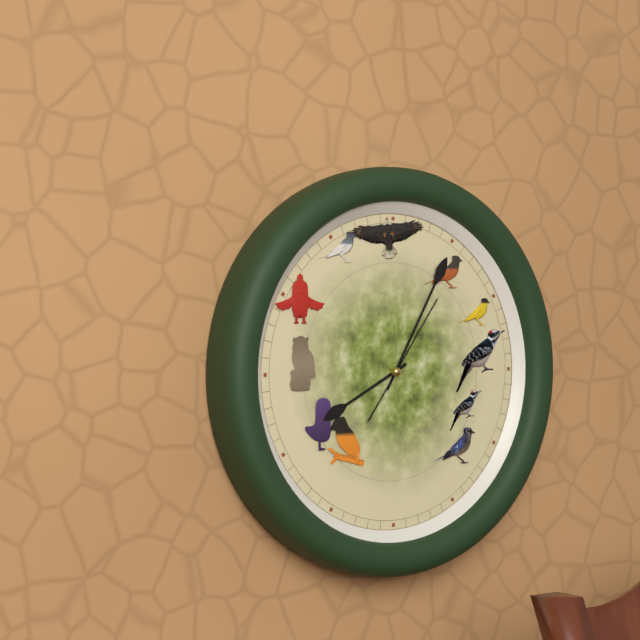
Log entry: 8 h 05 min 06 s
